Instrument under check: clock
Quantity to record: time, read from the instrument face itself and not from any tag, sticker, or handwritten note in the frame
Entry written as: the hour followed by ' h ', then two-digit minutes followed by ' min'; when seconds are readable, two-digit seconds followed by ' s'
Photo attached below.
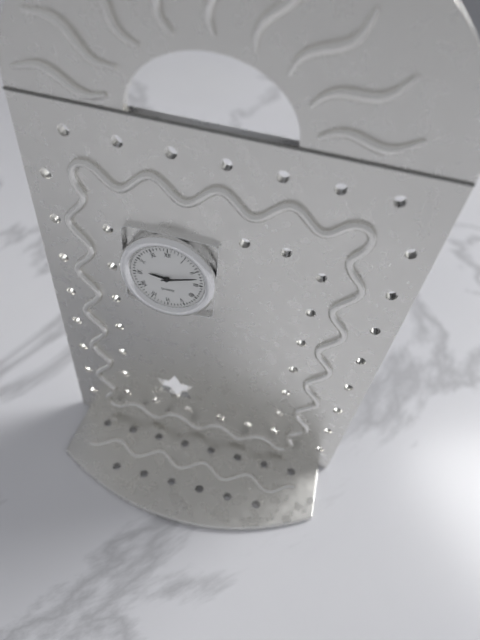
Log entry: 9 h 12 min
